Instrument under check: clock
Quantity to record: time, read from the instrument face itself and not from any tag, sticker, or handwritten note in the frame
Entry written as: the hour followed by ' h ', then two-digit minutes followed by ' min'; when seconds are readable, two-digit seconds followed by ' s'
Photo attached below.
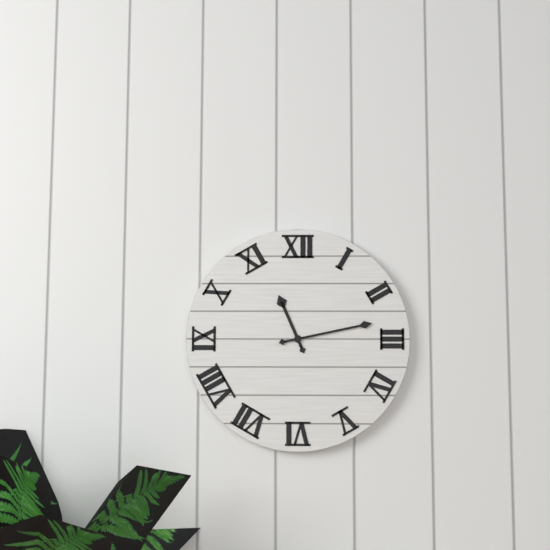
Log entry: 11 h 13 min
